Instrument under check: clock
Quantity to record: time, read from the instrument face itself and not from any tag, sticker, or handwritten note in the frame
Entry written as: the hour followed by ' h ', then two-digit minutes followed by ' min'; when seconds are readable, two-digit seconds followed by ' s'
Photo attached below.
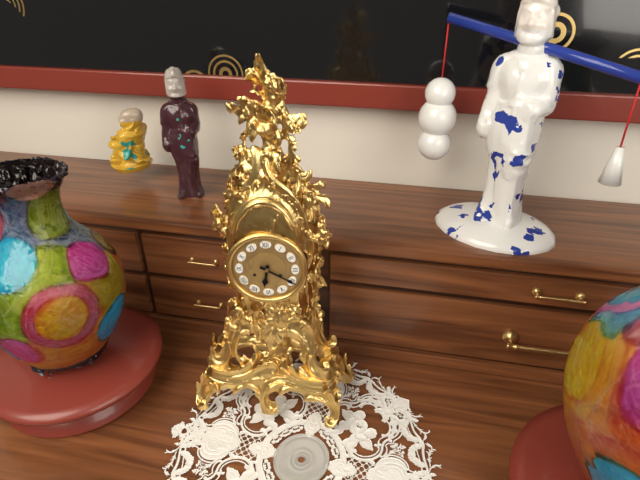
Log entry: 6 h 20 min
